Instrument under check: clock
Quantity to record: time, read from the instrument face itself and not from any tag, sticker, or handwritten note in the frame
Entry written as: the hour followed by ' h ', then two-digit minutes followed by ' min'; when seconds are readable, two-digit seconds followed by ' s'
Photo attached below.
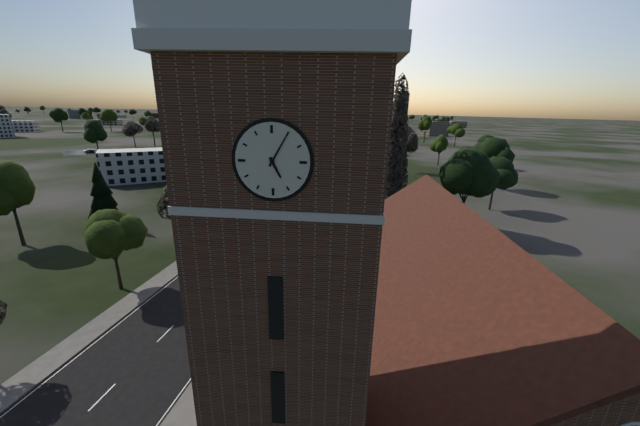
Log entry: 5 h 05 min
